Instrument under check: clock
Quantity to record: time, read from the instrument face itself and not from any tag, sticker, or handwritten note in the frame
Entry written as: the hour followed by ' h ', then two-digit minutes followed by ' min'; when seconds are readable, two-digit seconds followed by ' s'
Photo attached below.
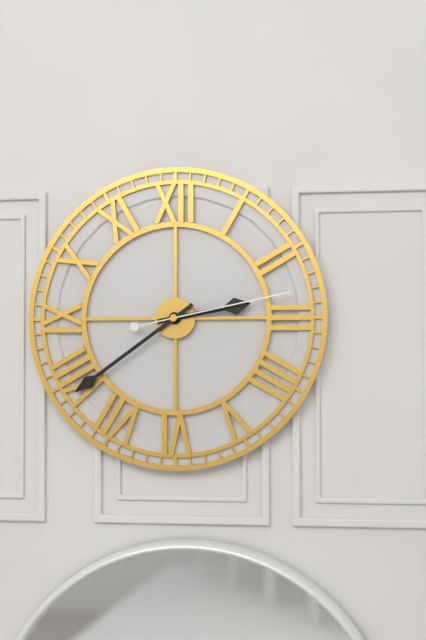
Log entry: 2 h 39 min 13 s
